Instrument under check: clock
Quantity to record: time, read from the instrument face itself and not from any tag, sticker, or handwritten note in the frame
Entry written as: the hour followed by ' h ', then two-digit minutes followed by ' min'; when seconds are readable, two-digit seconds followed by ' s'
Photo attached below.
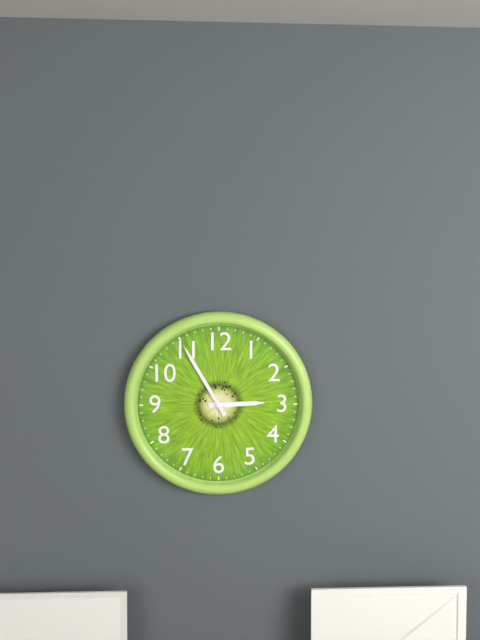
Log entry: 2 h 55 min
